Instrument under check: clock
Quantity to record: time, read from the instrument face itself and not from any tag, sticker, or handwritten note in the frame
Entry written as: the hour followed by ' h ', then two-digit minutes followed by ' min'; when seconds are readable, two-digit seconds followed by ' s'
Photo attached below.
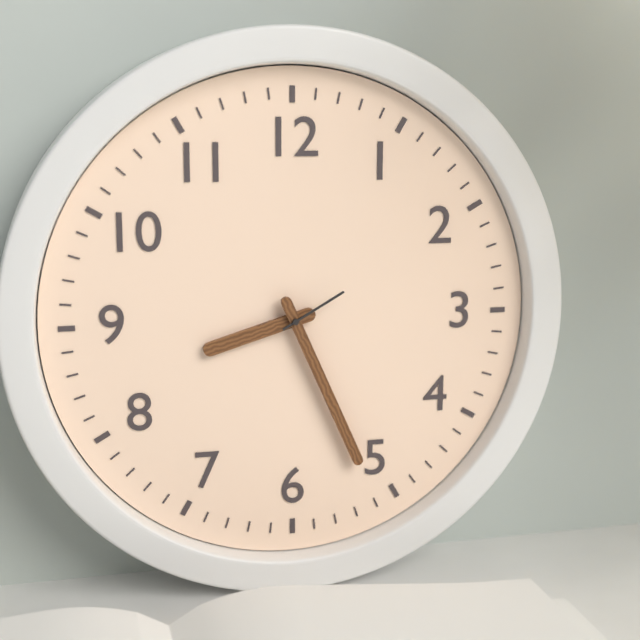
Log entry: 8 h 26 min 10 s
